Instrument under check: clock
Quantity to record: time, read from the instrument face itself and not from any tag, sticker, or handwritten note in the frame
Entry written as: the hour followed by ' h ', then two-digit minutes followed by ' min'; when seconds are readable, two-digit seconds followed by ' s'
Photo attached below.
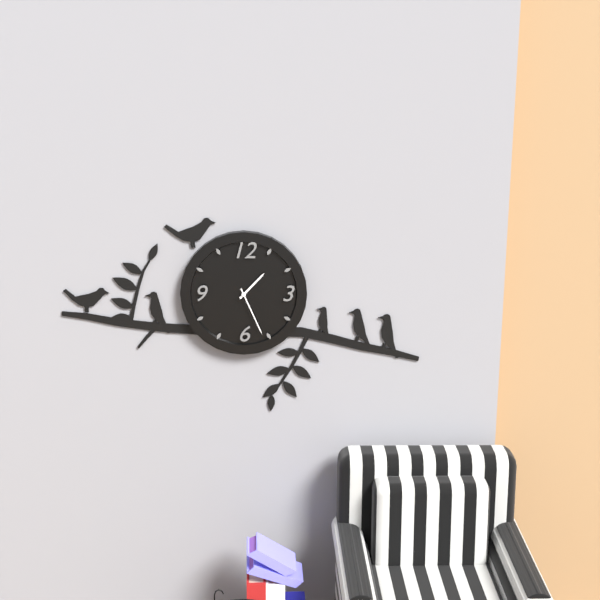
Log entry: 1 h 26 min
